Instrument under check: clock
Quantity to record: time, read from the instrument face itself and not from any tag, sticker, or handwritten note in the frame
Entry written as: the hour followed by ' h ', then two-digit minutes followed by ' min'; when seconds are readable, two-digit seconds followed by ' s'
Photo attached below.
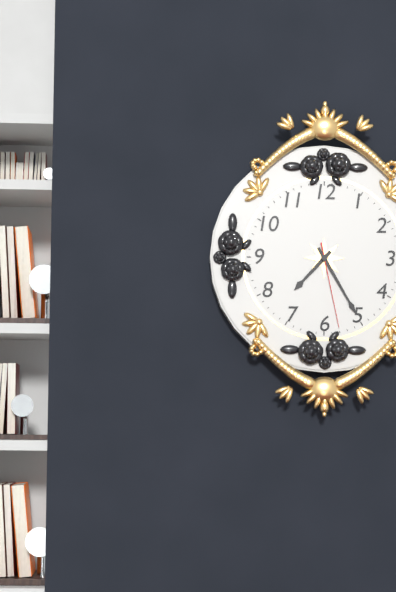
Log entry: 7 h 25 min 28 s
